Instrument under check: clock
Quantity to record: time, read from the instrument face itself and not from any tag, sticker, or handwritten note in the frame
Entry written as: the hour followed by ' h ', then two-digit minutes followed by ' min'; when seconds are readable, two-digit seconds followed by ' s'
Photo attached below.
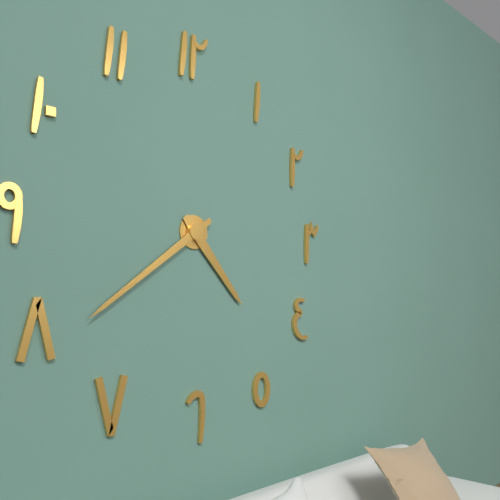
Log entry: 4 h 39 min
